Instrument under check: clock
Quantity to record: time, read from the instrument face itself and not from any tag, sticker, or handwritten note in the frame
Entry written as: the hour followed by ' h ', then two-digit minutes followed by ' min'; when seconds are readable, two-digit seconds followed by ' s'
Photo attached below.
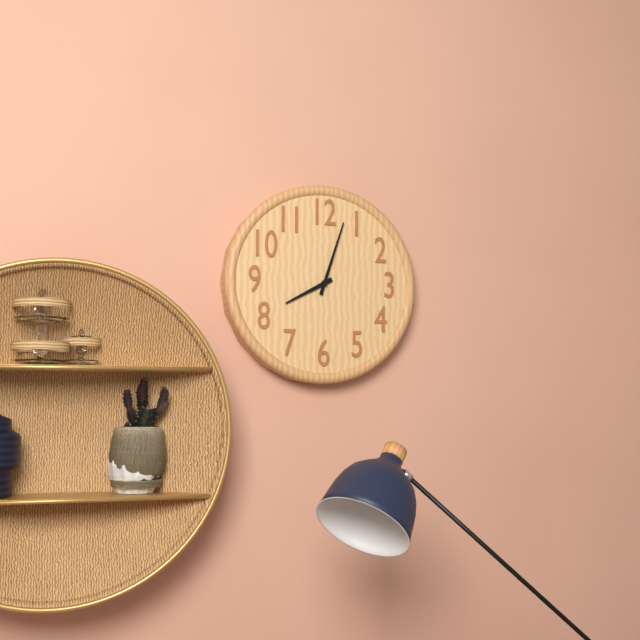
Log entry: 8 h 03 min
